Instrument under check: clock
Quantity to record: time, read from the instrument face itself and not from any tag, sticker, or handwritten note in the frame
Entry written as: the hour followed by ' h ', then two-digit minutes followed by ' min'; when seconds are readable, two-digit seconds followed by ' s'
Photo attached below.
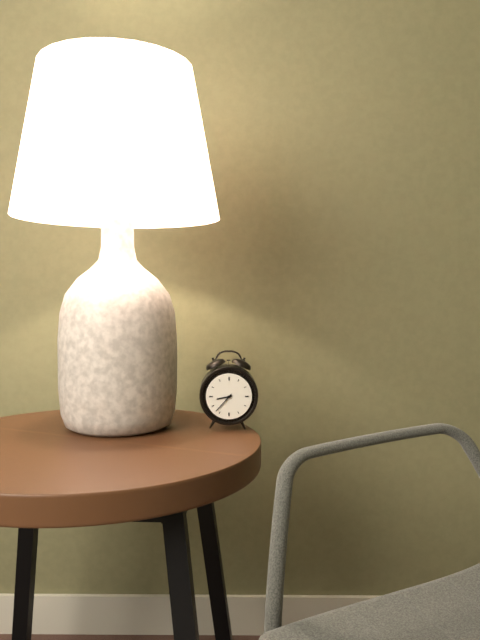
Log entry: 8 h 37 min
